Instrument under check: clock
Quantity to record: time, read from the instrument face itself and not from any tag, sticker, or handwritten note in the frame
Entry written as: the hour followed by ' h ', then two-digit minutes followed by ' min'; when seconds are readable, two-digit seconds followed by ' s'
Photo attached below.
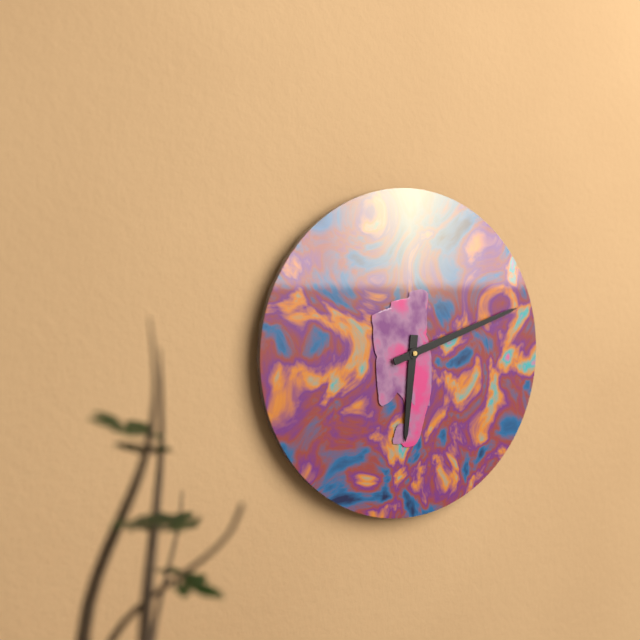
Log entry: 6 h 12 min
